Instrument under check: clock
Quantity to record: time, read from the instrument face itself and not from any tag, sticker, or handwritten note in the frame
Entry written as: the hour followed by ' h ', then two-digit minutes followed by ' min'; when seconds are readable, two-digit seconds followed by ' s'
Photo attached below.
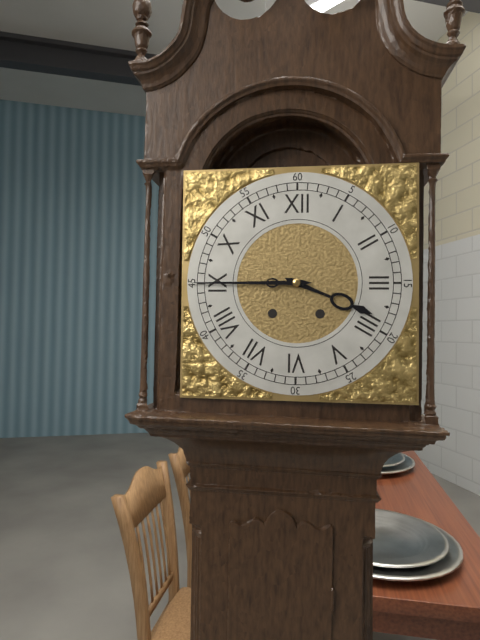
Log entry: 3 h 45 min
